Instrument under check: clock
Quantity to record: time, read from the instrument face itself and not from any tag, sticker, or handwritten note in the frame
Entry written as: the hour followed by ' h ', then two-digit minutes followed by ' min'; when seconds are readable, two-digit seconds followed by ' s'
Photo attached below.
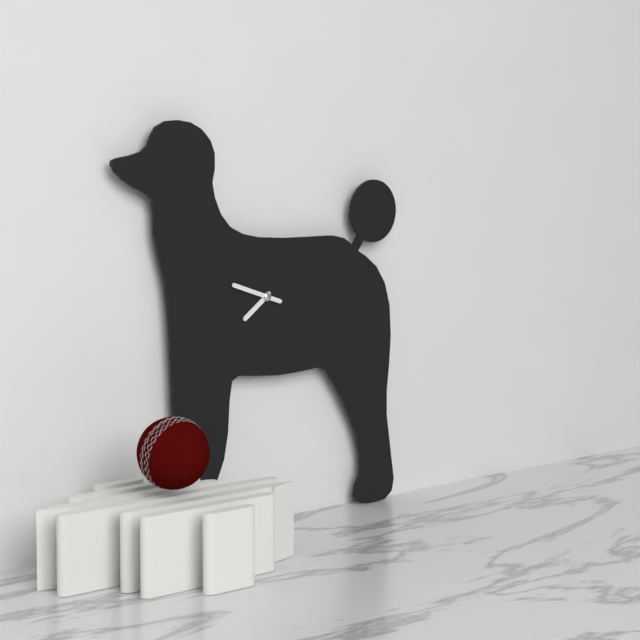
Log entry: 7 h 48 min
